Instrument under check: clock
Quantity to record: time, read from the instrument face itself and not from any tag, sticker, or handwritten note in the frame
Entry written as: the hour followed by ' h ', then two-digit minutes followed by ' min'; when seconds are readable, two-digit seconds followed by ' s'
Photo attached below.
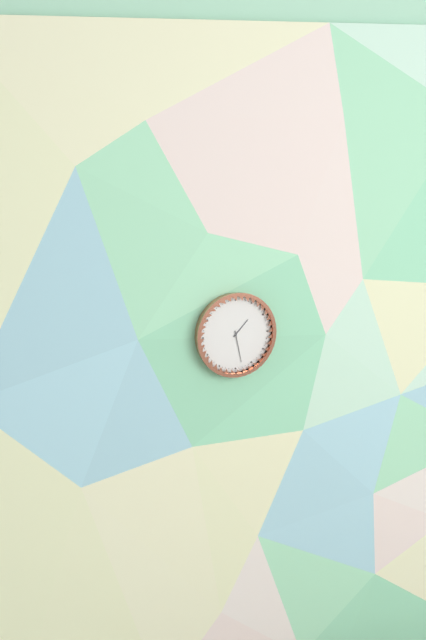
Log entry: 1 h 28 min
